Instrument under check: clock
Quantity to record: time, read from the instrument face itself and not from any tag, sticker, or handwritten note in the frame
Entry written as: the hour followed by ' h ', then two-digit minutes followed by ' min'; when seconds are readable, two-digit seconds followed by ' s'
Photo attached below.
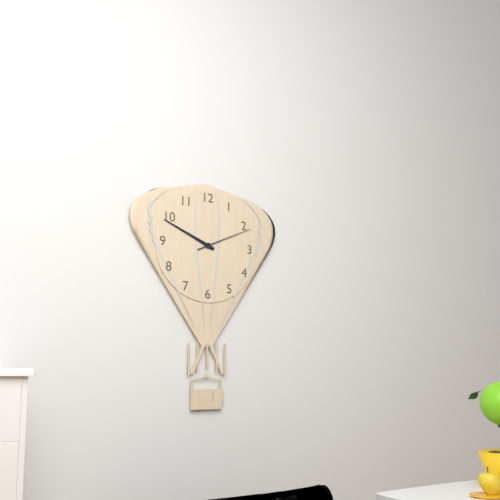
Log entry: 9 h 49 min 11 s
